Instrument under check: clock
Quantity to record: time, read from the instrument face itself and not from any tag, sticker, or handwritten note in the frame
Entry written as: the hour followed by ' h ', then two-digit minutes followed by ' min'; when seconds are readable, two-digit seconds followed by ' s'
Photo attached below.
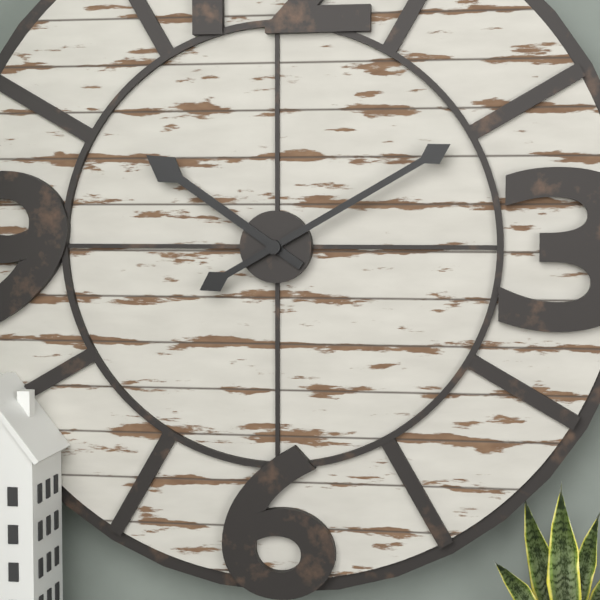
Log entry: 10 h 10 min
